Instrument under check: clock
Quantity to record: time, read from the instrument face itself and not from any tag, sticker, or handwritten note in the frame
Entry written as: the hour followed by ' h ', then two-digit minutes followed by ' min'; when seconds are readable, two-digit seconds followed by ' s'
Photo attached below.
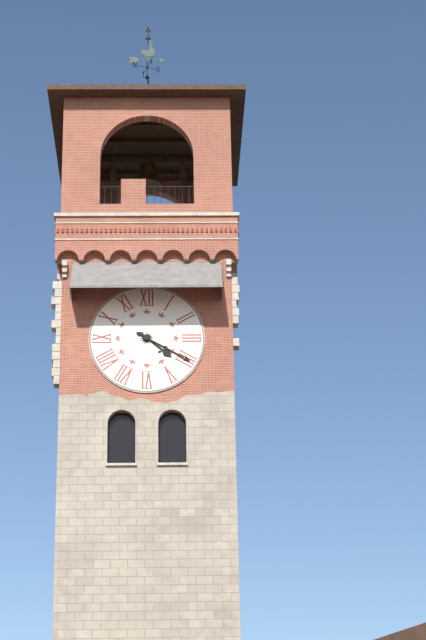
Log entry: 4 h 20 min
